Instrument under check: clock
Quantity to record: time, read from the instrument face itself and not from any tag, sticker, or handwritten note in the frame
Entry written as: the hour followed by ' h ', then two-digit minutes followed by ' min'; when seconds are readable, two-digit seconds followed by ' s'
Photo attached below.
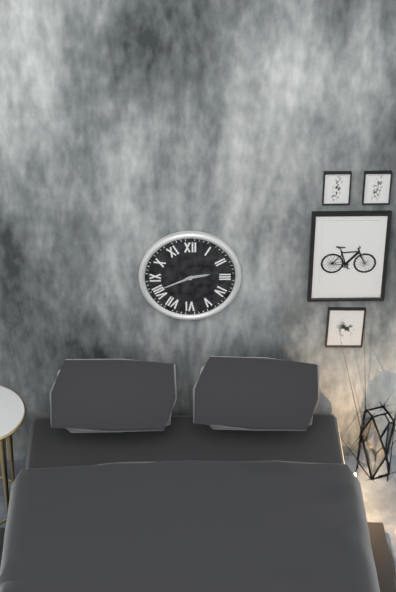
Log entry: 2 h 41 min
